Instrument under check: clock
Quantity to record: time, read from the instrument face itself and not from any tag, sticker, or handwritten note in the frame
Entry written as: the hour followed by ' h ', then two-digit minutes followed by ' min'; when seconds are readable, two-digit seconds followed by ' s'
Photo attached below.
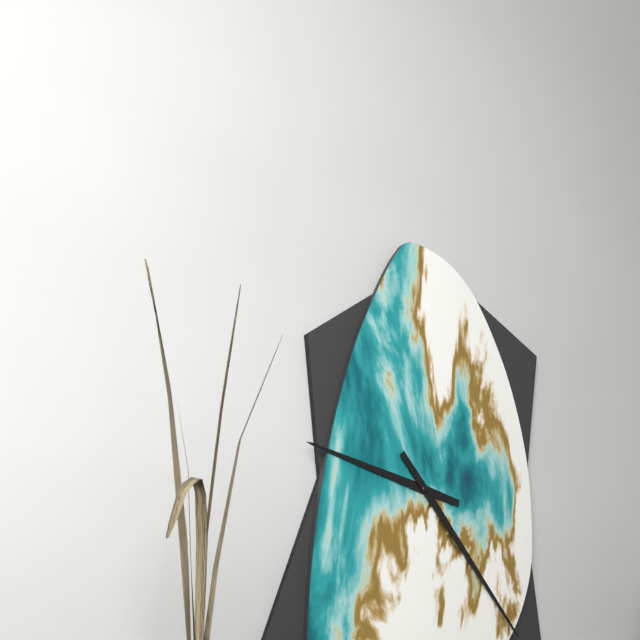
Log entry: 9 h 23 min
